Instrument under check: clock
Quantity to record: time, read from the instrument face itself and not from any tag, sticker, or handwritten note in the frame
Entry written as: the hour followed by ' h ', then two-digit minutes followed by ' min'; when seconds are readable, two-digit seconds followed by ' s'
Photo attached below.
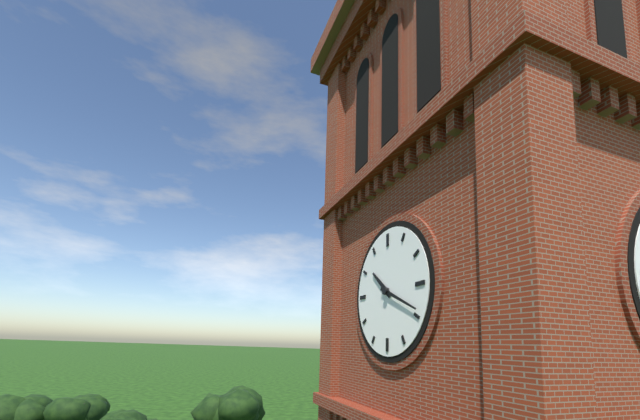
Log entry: 10 h 19 min
